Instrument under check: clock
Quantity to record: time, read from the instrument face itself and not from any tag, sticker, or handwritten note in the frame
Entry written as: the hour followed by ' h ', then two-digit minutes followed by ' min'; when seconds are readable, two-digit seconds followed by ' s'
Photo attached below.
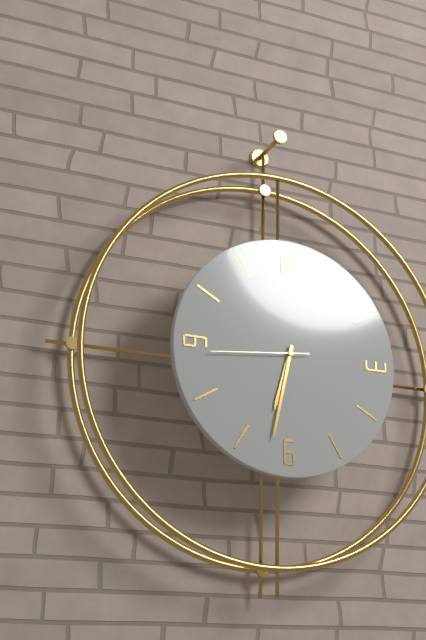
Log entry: 6 h 32 min 44 s
